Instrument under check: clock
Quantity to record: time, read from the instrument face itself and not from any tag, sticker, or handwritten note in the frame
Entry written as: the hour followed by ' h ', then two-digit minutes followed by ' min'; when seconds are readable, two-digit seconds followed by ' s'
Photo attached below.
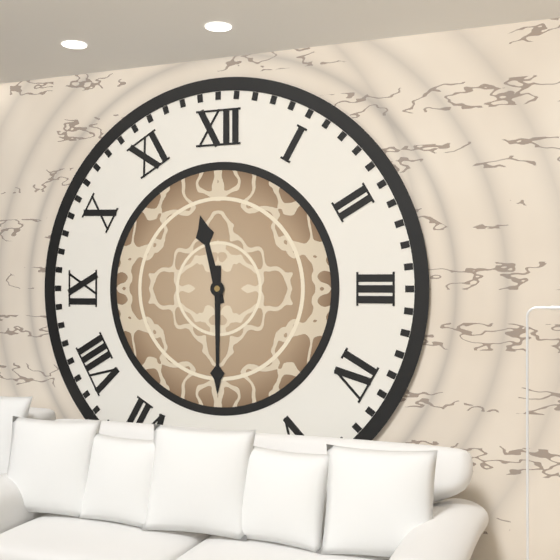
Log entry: 11 h 30 min
